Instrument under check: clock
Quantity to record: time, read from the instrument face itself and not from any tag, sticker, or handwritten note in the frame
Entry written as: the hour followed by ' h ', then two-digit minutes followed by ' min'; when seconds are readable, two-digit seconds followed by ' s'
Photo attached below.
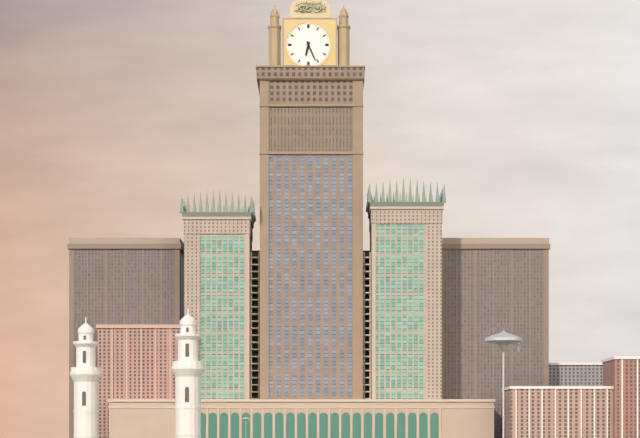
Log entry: 6 h 26 min
